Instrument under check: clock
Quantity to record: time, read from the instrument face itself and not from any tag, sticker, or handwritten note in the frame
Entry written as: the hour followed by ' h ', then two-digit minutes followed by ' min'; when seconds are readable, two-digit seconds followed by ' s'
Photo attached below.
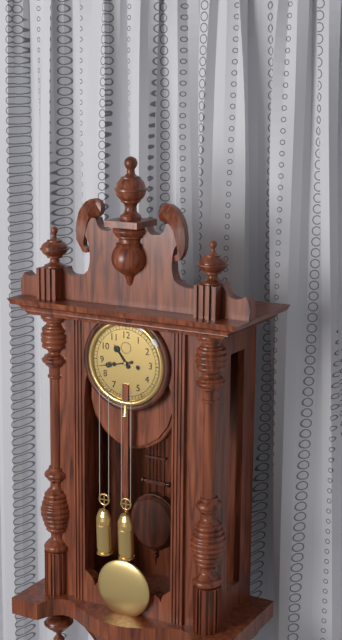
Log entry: 10 h 43 min
